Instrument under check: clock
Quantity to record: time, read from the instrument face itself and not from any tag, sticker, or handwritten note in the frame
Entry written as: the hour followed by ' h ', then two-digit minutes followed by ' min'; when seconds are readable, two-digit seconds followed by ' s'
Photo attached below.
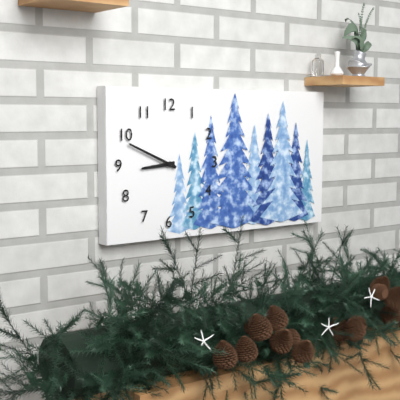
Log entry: 8 h 49 min
